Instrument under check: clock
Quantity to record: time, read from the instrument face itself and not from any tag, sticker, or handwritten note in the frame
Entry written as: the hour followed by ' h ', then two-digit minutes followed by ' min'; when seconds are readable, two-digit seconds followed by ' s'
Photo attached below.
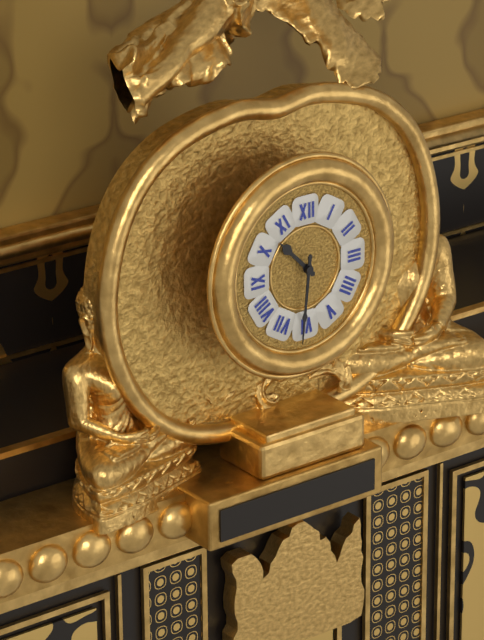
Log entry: 10 h 31 min
